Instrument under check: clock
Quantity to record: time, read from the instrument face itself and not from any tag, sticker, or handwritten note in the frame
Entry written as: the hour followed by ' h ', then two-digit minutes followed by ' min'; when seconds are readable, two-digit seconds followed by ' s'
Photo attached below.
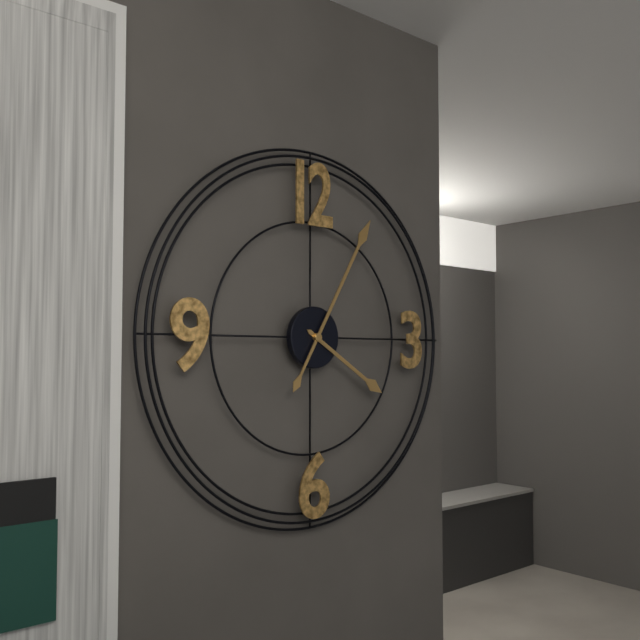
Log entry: 4 h 05 min
